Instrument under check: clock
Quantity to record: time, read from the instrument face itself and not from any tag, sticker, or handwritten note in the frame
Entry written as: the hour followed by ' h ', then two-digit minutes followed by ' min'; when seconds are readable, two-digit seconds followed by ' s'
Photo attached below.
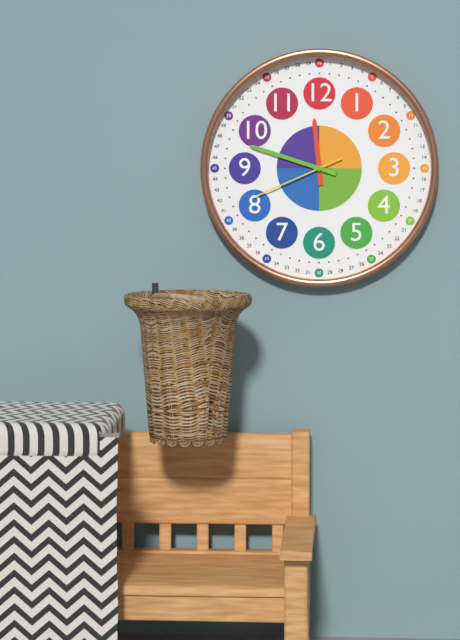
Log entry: 11 h 48 min 41 s
